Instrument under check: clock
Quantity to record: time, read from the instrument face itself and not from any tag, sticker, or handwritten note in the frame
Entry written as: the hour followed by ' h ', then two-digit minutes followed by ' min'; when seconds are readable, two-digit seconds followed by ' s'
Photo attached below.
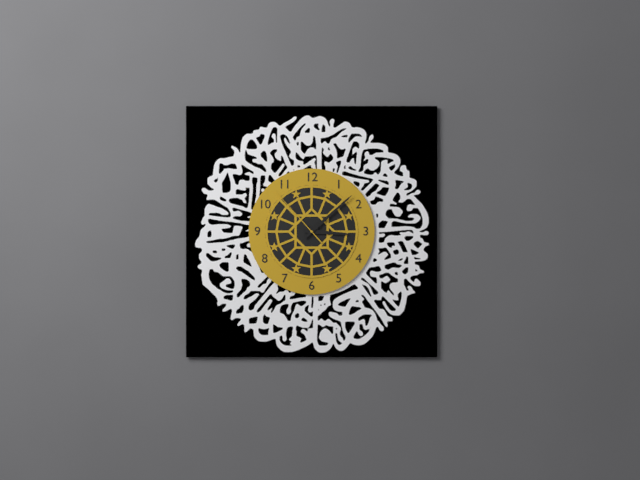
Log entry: 3 h 08 min 53 s
